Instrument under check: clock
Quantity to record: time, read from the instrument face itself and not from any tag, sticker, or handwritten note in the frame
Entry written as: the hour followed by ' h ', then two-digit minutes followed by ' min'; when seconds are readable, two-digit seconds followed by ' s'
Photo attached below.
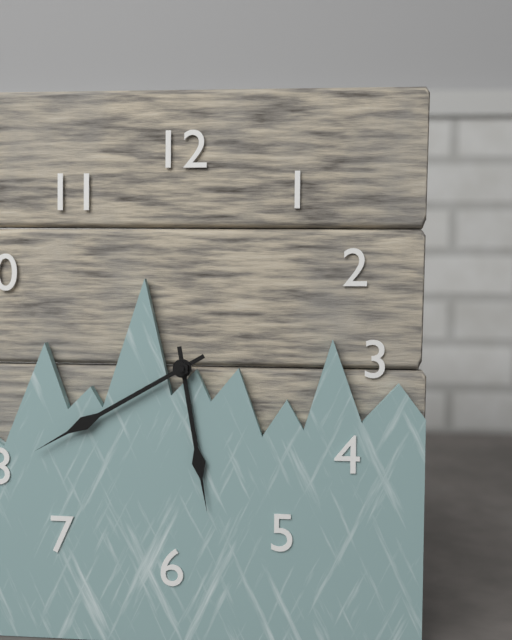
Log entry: 5 h 40 min
